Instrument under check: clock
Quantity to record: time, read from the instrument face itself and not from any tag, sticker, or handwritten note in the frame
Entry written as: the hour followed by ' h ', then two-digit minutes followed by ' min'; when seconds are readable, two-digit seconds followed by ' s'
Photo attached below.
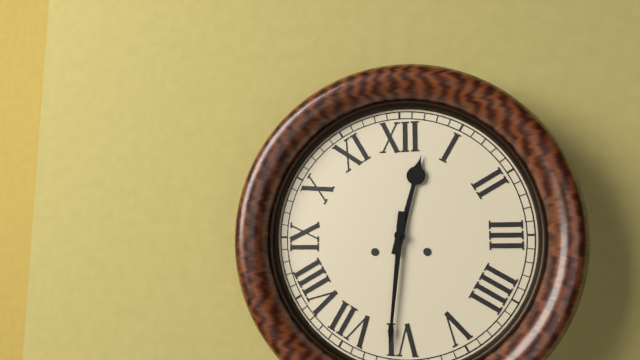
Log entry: 12 h 31 min
